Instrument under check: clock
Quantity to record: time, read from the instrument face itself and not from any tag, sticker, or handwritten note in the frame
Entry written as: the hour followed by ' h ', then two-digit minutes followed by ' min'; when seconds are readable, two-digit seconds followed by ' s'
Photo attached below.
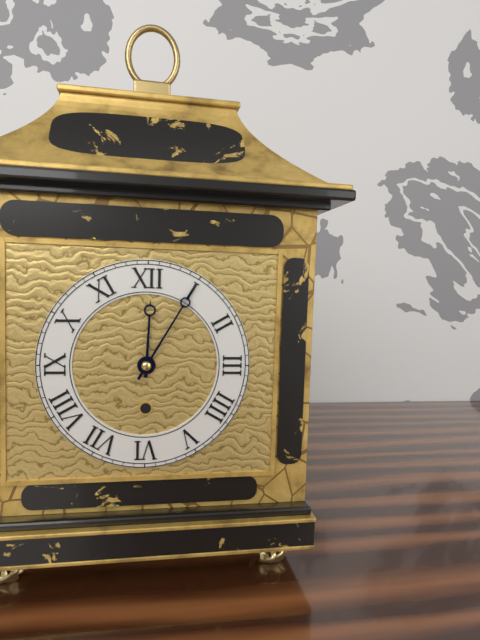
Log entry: 12 h 05 min
